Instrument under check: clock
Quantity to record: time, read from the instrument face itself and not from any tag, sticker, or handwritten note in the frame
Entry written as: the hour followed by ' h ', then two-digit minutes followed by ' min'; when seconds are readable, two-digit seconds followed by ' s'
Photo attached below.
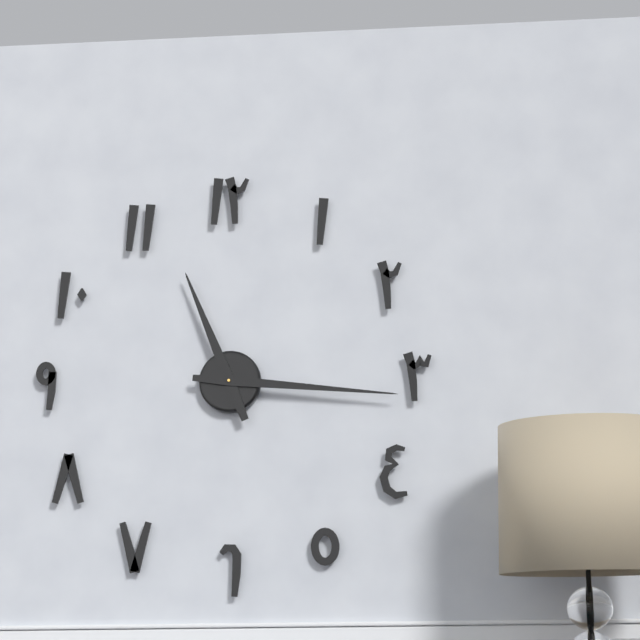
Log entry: 11 h 16 min
